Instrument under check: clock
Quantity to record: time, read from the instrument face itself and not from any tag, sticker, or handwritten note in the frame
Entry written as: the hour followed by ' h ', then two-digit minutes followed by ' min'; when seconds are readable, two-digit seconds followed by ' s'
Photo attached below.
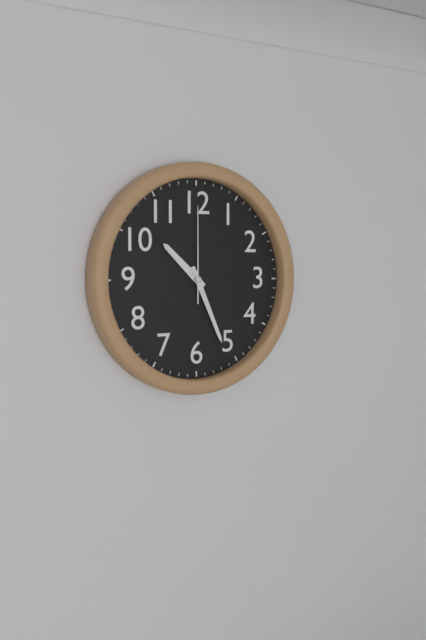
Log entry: 10 h 26 min 00 s
